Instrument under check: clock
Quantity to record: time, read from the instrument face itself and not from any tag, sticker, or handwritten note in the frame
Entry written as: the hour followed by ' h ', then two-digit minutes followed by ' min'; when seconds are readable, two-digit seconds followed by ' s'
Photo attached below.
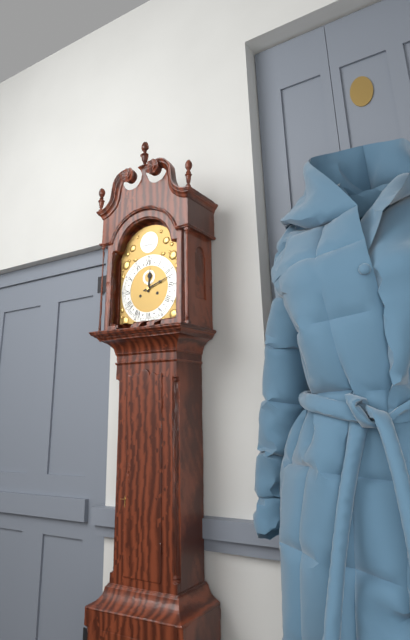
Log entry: 12 h 12 min
